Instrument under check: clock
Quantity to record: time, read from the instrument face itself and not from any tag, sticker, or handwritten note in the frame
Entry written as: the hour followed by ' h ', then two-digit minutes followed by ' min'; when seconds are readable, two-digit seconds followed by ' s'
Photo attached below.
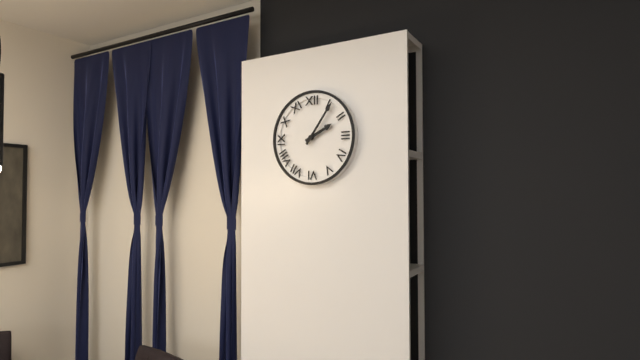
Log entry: 2 h 06 min
